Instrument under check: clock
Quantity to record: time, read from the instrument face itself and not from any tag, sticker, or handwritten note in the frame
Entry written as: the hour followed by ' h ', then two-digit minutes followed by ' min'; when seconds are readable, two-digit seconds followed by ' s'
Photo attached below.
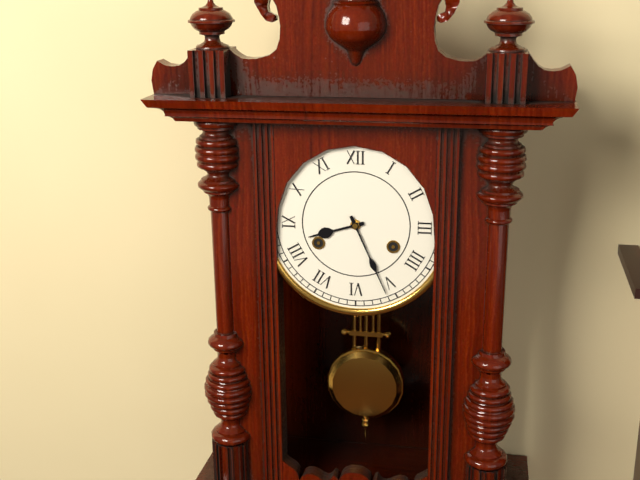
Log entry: 8 h 26 min
